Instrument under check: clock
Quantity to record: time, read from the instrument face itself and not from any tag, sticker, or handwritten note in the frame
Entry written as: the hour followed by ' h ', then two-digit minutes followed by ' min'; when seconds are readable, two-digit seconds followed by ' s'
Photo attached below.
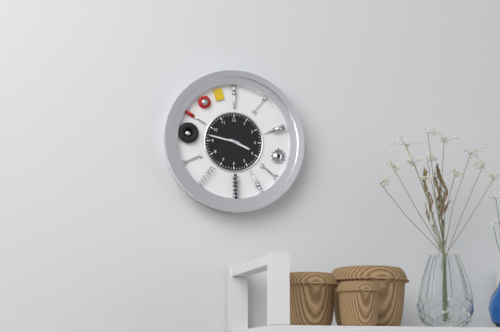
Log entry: 3 h 47 min
